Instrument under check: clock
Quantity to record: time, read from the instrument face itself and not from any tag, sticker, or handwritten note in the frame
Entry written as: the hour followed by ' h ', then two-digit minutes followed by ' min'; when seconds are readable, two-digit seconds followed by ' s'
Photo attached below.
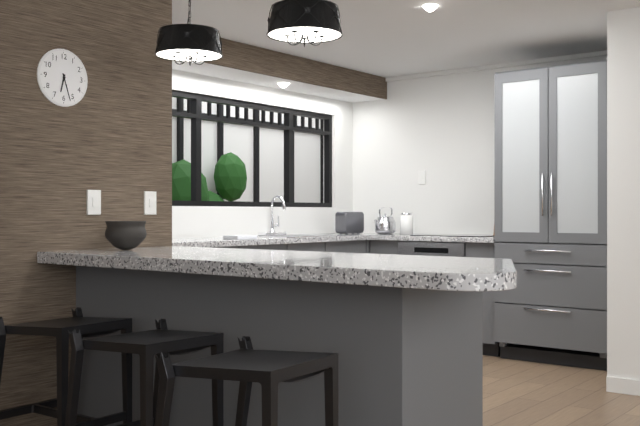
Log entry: 6 h 27 min
